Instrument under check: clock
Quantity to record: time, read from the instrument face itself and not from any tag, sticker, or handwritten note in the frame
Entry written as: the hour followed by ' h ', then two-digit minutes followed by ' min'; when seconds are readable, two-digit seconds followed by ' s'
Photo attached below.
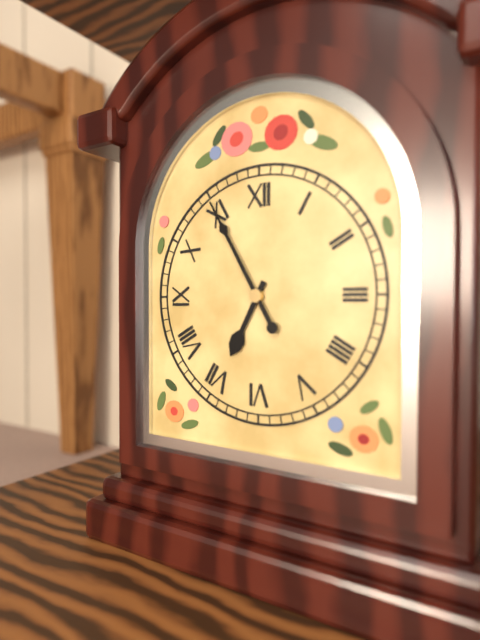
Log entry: 6 h 55 min
